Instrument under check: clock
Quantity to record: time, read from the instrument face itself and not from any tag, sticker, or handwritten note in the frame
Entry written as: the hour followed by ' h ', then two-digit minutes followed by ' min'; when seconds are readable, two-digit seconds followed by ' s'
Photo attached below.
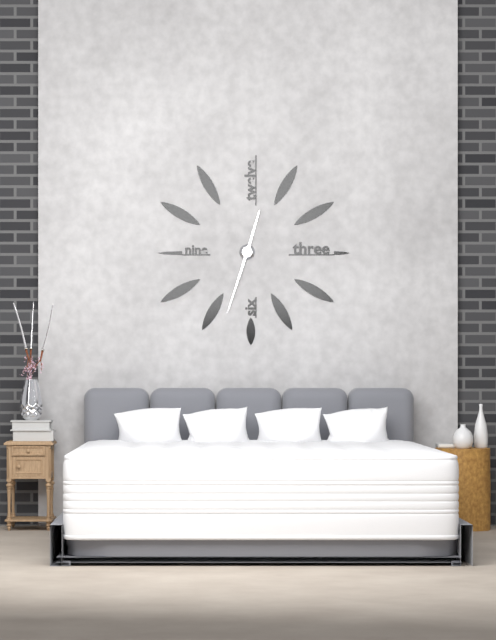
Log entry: 12 h 33 min
